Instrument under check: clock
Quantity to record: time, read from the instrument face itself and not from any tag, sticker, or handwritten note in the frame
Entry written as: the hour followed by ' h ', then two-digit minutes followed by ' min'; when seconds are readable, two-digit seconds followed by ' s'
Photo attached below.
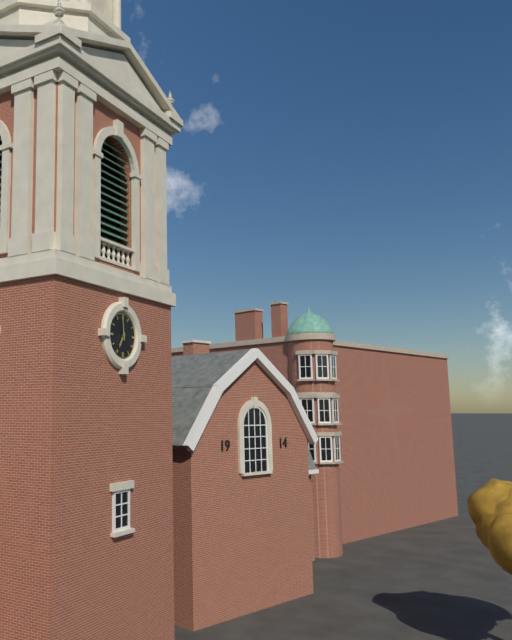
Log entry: 6 h 59 min
